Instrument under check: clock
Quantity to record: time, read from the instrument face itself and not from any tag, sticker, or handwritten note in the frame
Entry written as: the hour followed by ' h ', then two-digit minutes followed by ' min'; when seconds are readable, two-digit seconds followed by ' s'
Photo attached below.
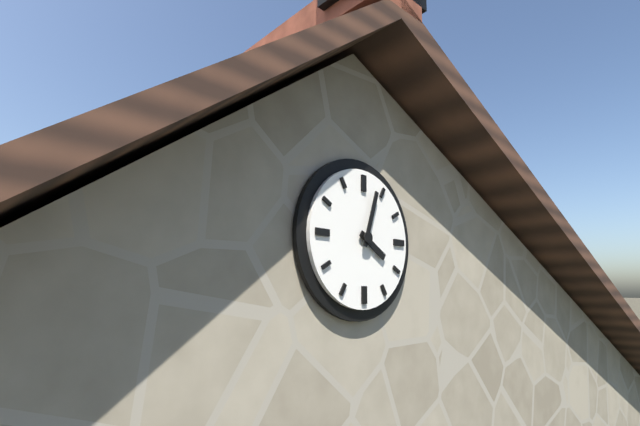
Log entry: 4 h 03 min
